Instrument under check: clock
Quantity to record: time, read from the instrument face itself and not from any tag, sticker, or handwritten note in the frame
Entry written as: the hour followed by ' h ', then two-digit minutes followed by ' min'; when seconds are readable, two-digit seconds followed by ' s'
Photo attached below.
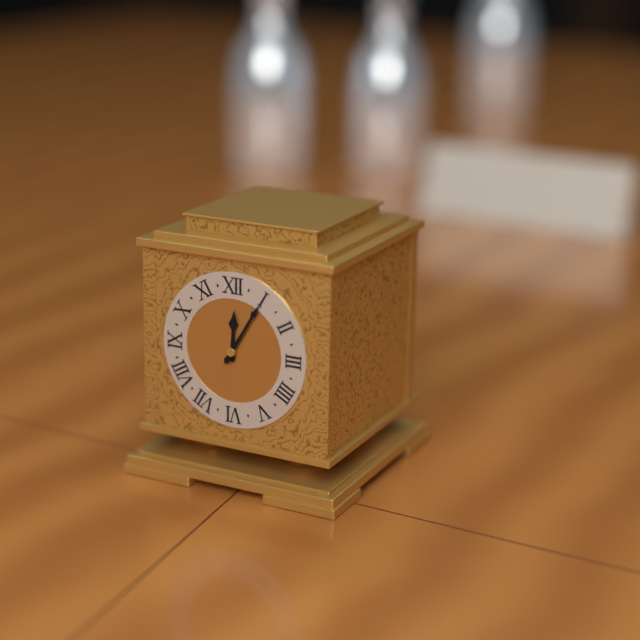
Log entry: 12 h 05 min
